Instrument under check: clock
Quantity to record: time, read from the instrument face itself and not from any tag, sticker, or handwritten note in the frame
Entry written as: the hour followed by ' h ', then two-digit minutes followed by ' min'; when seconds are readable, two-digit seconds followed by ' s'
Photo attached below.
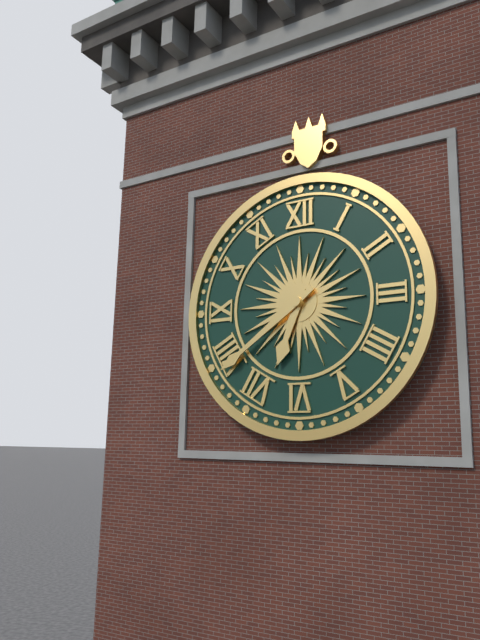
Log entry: 6 h 39 min
